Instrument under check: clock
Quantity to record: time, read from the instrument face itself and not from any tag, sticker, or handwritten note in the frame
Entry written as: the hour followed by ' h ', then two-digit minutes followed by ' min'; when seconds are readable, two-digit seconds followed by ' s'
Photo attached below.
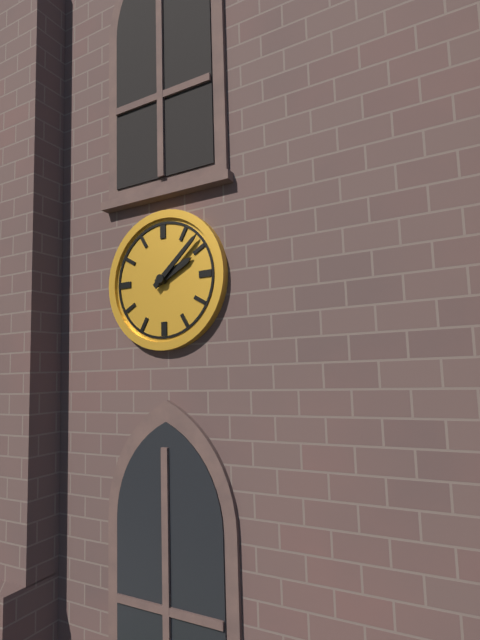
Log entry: 2 h 08 min
